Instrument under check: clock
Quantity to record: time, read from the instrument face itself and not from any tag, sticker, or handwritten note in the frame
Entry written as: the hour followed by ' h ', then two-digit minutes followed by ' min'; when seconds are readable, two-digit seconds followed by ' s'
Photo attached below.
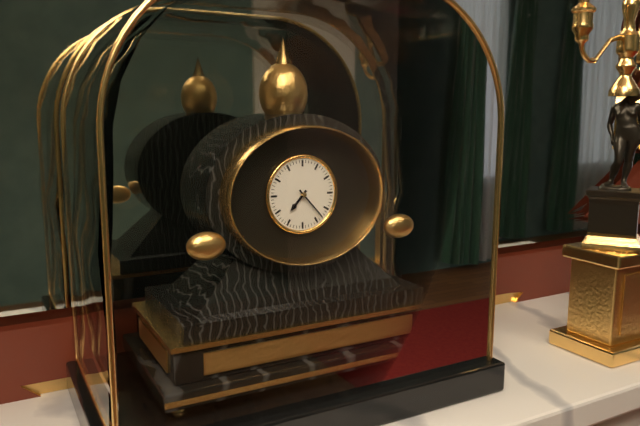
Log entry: 7 h 23 min
